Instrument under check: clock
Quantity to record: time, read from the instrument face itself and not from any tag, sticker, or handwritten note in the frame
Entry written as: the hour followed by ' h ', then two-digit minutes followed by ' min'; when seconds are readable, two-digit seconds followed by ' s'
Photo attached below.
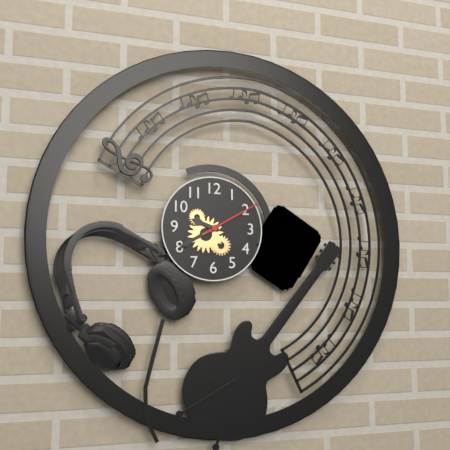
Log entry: 9 h 40 min 10 s
